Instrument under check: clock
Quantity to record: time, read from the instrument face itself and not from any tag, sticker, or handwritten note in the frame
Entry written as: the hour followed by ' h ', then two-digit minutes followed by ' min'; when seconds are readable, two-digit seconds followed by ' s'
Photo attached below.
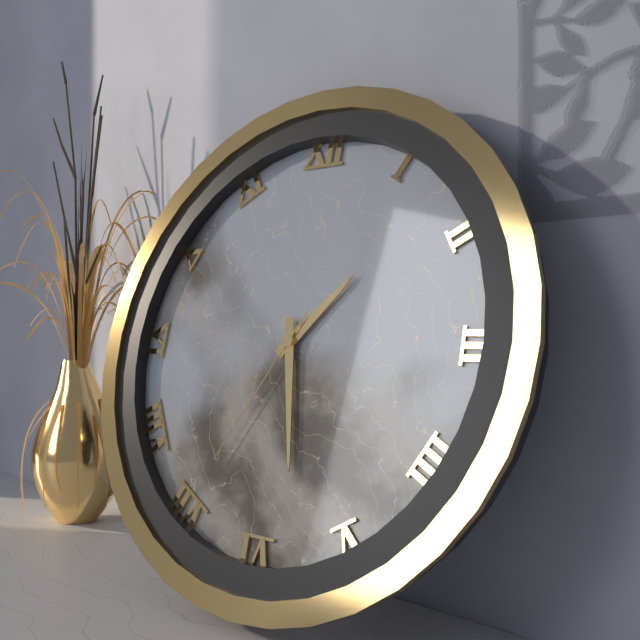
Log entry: 1 h 28 min 35 s
